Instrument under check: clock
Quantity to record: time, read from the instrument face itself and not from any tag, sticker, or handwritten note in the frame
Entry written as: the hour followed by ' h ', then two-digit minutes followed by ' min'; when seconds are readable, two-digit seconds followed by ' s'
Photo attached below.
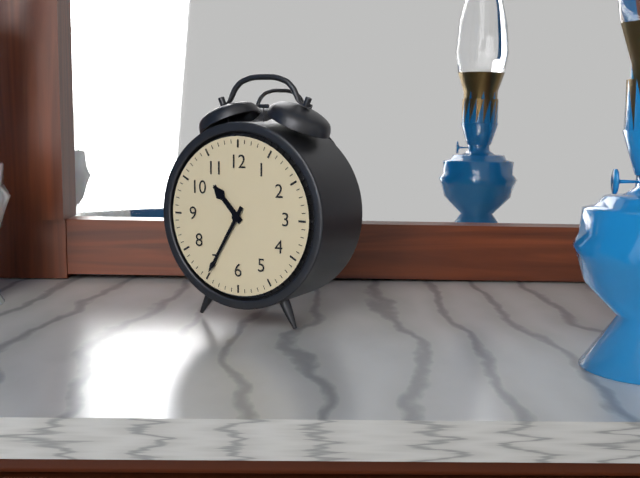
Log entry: 10 h 35 min
